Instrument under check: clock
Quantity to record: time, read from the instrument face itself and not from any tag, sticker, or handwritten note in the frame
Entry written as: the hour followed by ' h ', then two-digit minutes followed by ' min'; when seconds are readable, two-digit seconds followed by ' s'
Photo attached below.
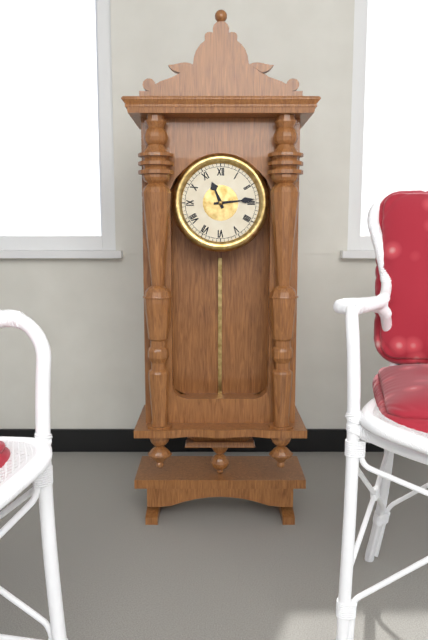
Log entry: 11 h 14 min
